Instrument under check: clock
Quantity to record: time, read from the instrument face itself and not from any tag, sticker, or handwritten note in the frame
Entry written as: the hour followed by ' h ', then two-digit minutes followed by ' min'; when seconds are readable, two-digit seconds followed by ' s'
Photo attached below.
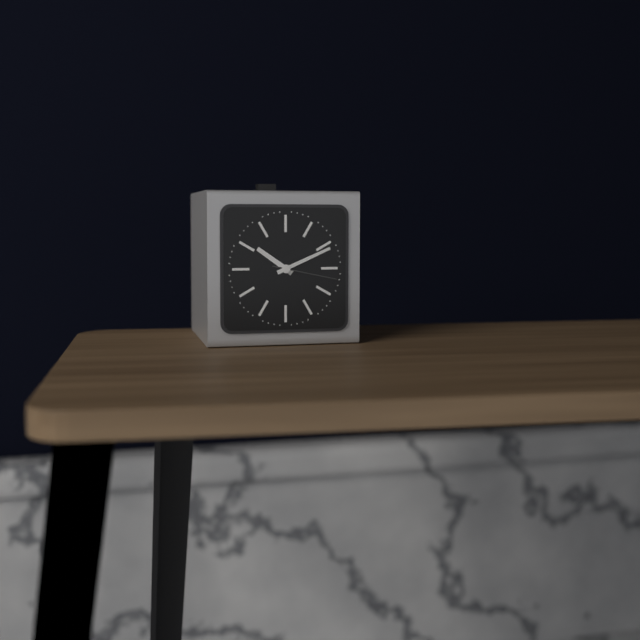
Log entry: 10 h 11 min 17 s
